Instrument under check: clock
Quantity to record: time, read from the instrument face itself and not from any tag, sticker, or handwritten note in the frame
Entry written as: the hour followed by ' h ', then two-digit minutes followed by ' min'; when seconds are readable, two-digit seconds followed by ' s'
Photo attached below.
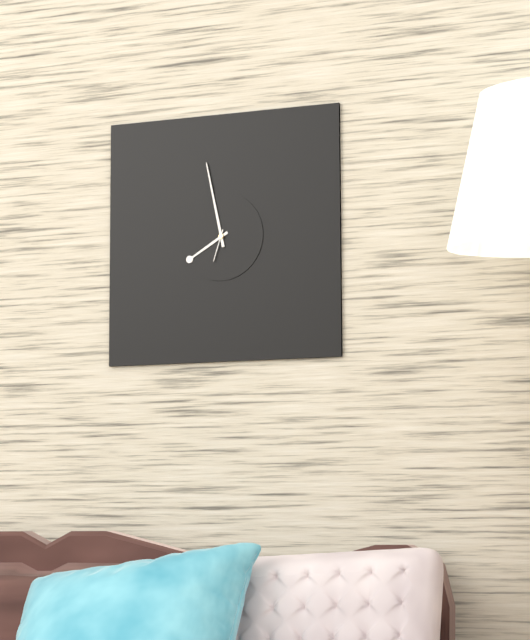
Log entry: 7 h 58 min
